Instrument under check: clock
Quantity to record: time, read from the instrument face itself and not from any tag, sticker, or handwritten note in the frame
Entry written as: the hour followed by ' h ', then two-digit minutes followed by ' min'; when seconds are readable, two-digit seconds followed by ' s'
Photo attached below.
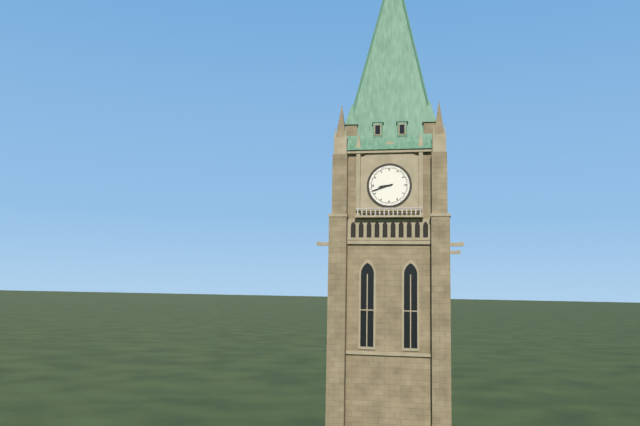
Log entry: 8 h 42 min
